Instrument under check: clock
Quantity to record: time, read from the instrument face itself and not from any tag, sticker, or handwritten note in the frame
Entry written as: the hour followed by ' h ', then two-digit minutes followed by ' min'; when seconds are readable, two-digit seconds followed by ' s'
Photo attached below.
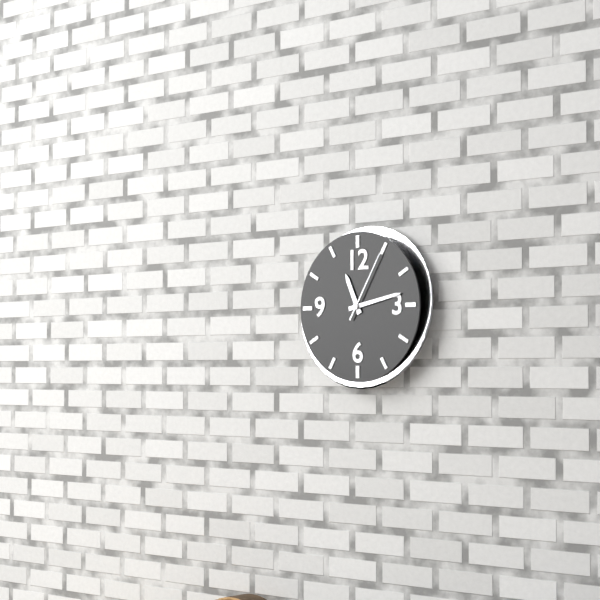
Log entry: 11 h 13 min 05 s
